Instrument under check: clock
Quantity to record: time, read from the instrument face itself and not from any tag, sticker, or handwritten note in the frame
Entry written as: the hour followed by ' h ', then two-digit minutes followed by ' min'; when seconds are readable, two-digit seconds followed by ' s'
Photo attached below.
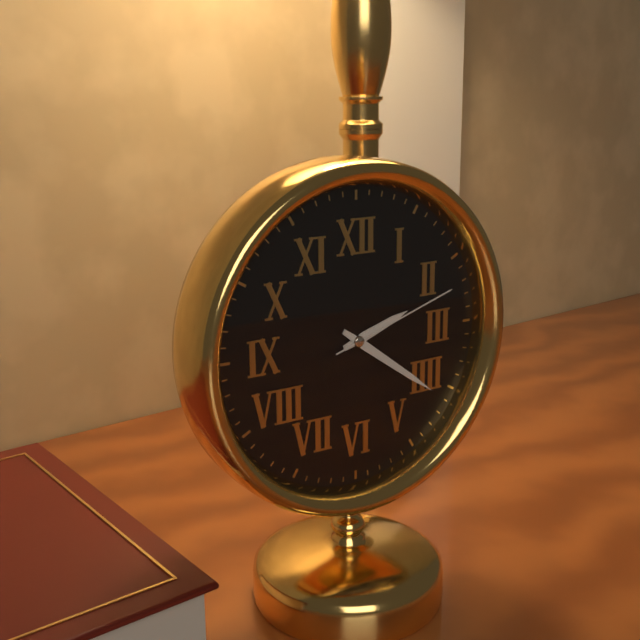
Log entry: 2 h 21 min 12 s
